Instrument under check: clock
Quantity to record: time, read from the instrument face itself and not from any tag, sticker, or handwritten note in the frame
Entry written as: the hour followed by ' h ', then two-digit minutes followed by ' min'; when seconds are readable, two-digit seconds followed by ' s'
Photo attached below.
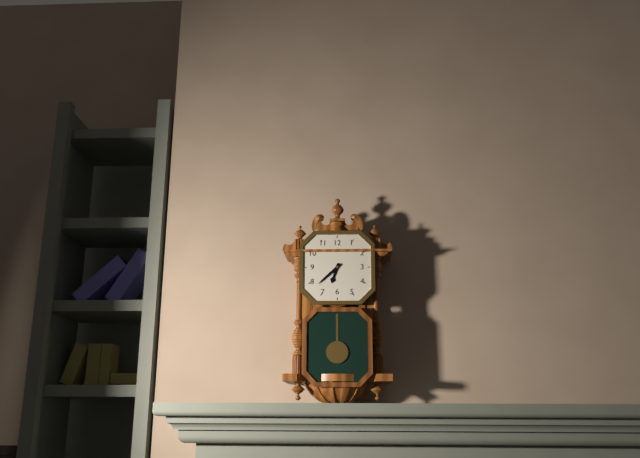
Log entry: 6 h 38 min
